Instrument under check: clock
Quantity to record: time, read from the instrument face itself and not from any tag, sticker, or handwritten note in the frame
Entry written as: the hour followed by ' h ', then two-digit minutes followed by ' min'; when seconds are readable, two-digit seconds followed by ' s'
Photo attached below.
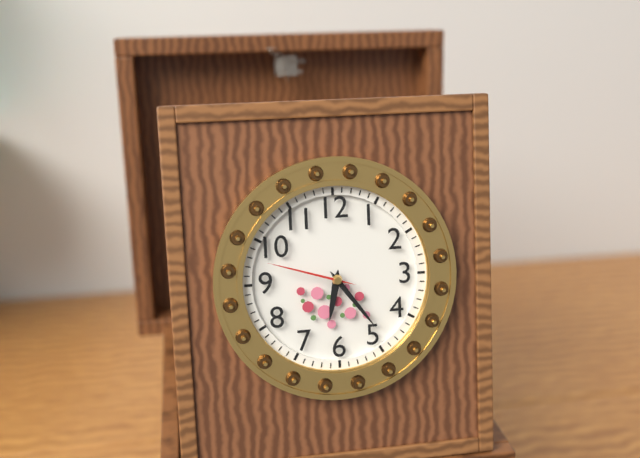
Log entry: 6 h 24 min 48 s
